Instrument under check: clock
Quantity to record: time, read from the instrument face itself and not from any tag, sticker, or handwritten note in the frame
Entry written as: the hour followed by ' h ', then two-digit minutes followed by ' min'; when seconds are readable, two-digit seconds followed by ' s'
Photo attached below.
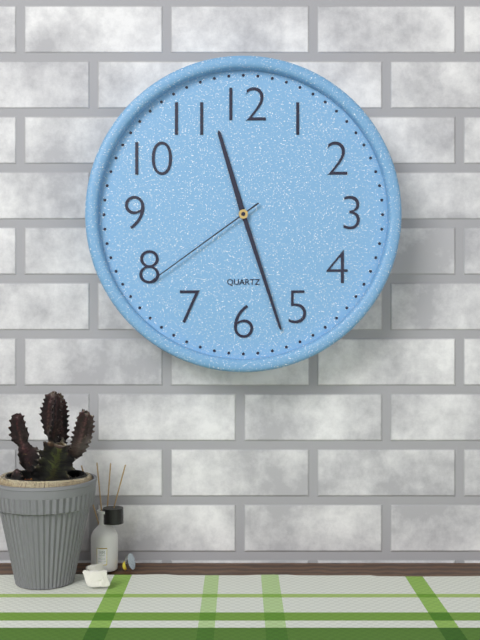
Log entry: 11 h 27 min 39 s
